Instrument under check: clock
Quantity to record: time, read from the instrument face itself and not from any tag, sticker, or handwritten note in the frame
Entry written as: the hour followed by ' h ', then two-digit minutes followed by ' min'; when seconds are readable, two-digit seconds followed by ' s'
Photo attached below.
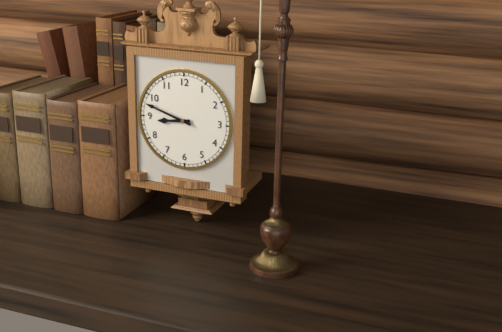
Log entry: 8 h 48 min
